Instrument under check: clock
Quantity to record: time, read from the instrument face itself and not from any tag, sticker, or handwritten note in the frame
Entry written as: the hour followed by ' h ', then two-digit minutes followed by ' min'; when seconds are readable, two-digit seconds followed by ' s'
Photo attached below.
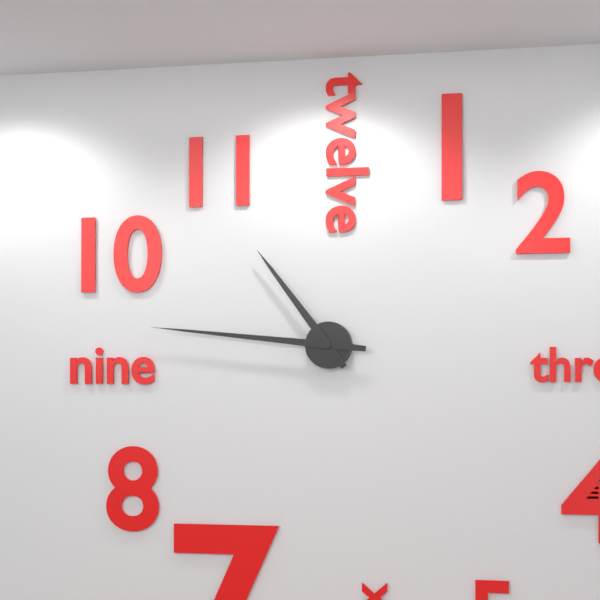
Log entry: 10 h 46 min
